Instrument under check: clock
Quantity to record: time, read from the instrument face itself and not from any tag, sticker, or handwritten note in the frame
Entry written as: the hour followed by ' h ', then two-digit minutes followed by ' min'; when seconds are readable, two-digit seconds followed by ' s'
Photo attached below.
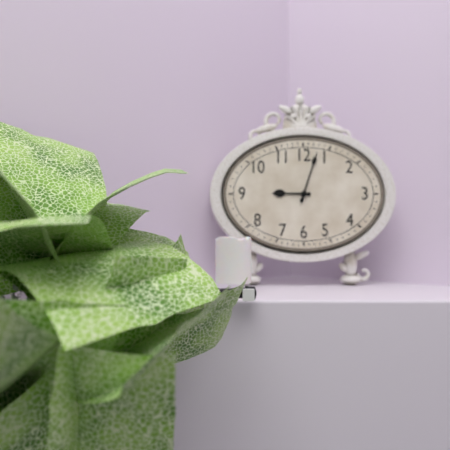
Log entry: 9 h 03 min
